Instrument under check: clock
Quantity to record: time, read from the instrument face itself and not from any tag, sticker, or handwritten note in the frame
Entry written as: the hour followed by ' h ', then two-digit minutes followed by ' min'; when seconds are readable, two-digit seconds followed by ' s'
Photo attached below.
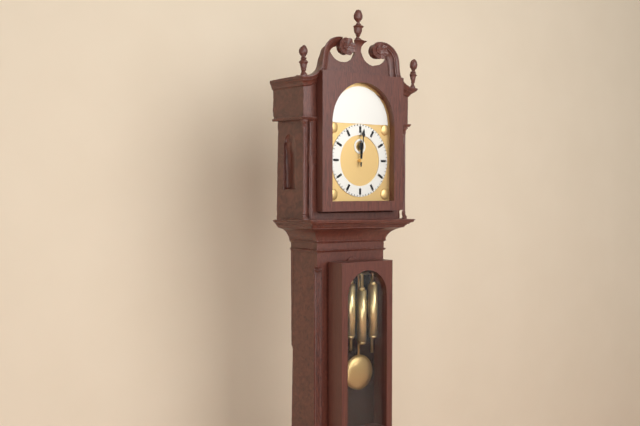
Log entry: 12 h 01 min
